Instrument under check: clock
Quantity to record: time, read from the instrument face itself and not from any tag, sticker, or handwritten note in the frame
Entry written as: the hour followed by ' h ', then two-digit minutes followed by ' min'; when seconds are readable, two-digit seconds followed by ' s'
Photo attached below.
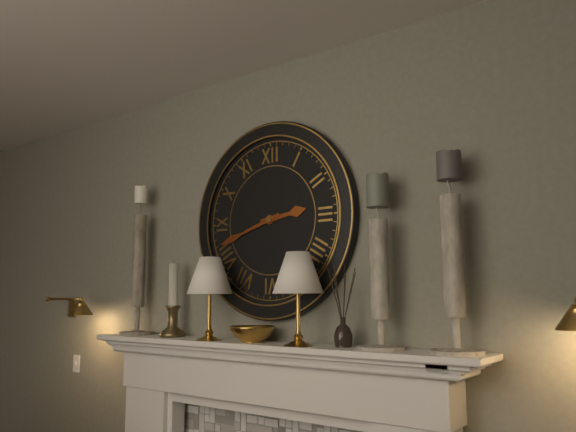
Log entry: 2 h 42 min
